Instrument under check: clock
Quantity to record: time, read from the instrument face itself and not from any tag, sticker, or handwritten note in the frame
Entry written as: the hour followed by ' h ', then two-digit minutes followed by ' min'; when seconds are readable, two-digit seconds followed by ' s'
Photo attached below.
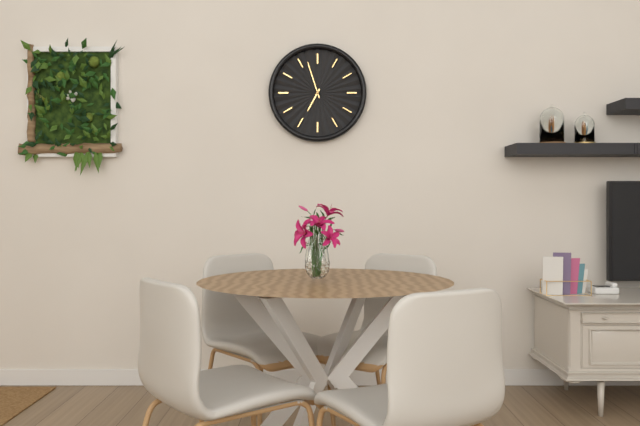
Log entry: 6 h 57 min
